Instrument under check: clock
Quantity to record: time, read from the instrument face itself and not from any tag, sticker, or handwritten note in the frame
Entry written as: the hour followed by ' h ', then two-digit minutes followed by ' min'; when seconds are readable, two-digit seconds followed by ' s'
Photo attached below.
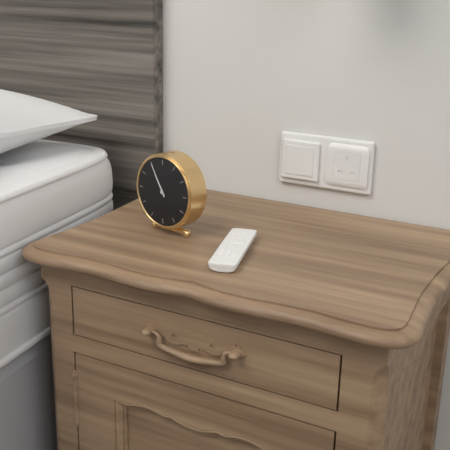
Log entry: 10 h 55 min
